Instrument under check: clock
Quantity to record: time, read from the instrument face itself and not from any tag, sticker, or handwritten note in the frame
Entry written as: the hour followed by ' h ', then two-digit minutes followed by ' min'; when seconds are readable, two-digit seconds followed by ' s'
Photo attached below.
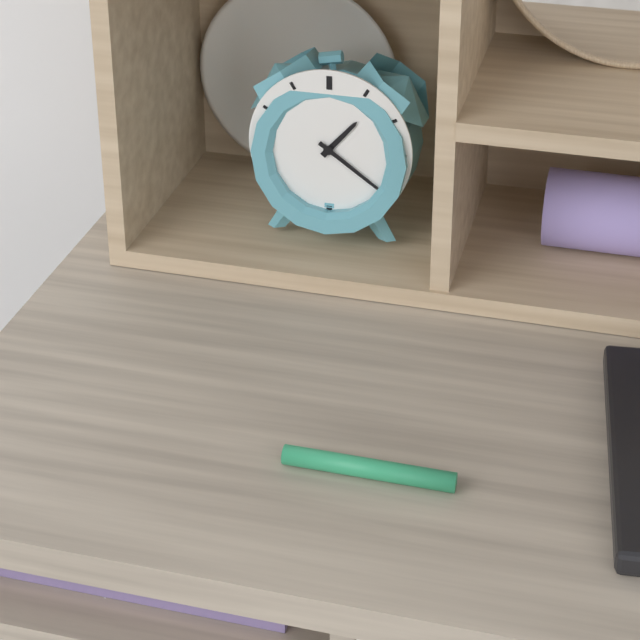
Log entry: 1 h 21 min
